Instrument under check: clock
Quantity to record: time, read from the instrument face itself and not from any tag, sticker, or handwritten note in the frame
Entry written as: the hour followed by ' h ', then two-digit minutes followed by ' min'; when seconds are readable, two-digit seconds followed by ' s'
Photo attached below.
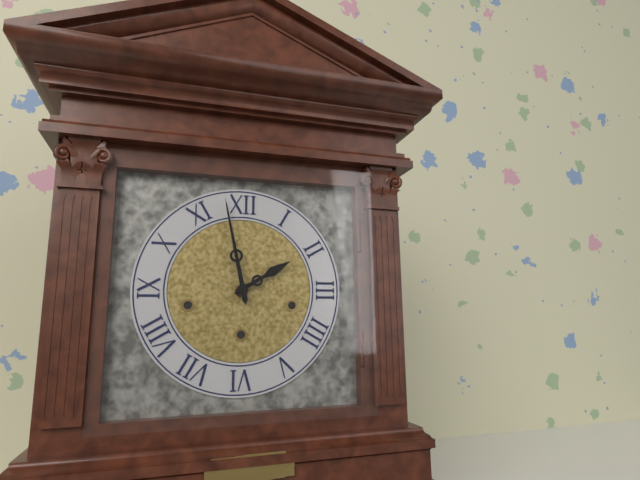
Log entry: 1 h 58 min
